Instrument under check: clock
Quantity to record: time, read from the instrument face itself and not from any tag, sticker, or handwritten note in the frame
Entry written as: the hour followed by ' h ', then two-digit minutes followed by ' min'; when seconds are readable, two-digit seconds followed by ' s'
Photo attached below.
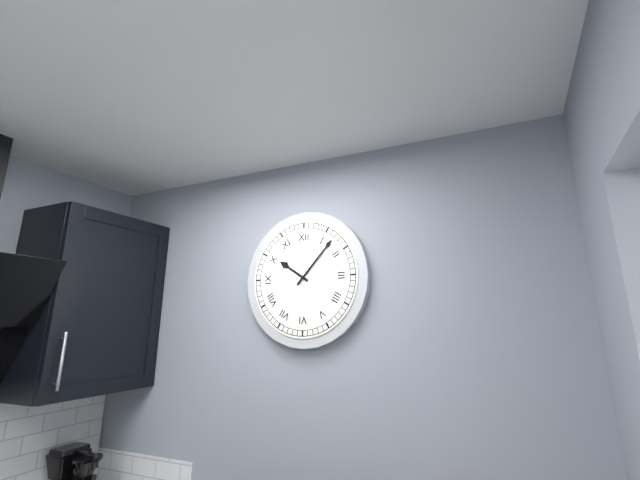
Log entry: 10 h 07 min
